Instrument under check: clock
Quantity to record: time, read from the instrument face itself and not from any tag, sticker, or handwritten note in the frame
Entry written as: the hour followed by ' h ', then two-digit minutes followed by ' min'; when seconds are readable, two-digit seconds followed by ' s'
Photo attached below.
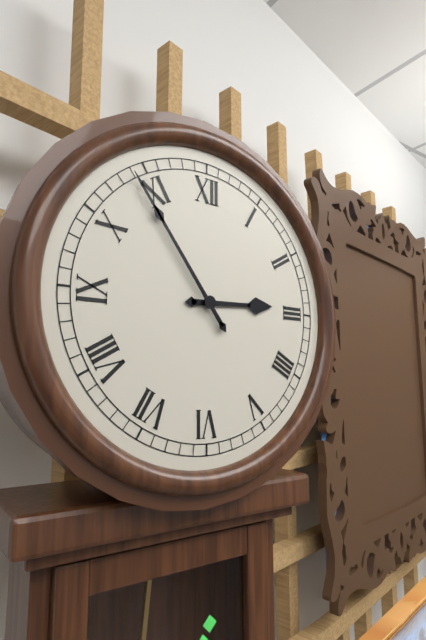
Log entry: 2 h 54 min
